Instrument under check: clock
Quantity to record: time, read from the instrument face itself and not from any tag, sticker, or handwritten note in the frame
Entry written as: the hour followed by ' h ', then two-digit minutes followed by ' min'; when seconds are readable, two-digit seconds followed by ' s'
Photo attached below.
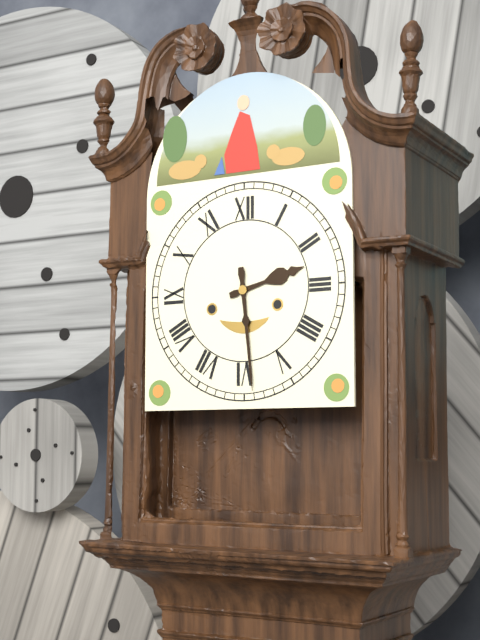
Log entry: 2 h 29 min
